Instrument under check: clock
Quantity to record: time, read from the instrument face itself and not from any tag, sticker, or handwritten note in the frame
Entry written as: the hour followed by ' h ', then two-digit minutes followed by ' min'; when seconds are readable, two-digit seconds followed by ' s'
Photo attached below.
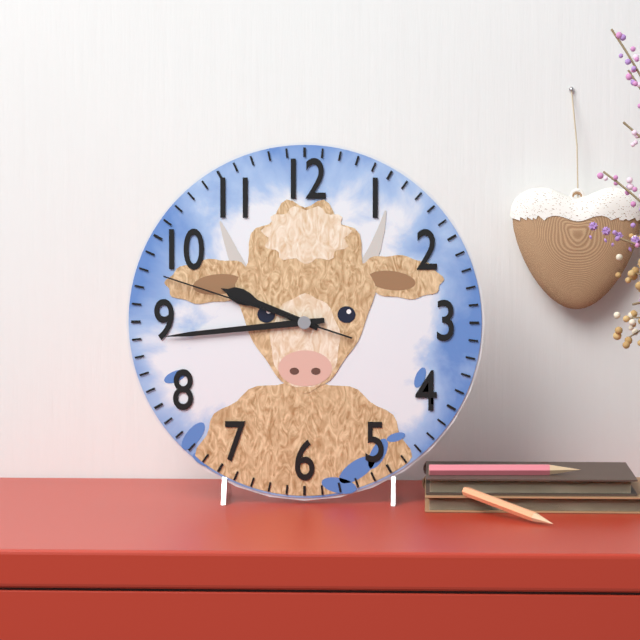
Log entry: 9 h 44 min 48 s
